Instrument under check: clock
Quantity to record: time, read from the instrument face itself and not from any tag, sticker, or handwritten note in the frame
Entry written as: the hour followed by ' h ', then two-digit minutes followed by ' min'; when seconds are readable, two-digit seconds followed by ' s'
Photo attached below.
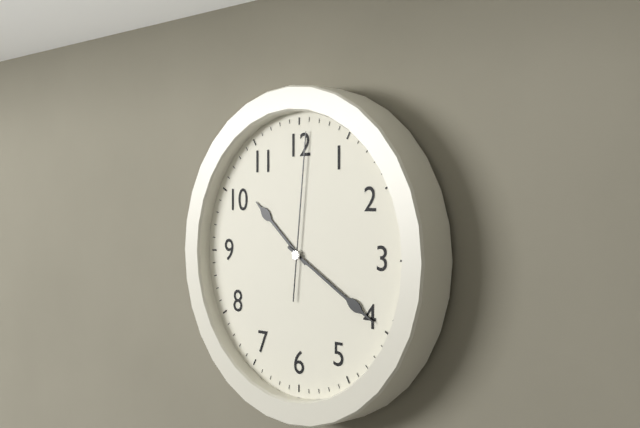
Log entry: 10 h 20 min 01 s
